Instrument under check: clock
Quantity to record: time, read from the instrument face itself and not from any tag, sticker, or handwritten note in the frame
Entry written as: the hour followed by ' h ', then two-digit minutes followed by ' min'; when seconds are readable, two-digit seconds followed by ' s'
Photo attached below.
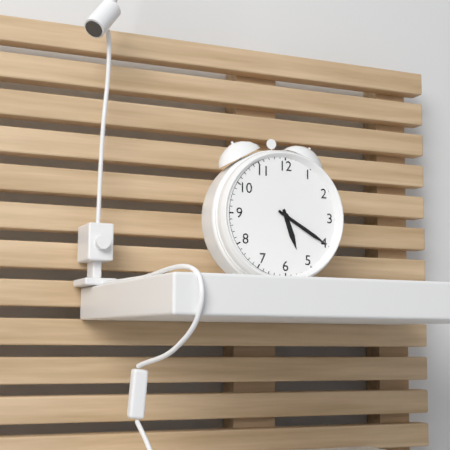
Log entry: 5 h 20 min
